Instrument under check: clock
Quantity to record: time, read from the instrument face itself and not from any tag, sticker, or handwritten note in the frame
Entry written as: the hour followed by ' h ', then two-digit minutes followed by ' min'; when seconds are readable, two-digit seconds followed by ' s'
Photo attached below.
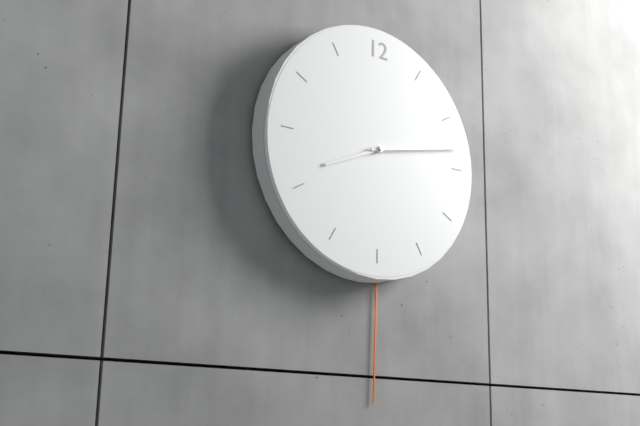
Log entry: 8 h 13 min
